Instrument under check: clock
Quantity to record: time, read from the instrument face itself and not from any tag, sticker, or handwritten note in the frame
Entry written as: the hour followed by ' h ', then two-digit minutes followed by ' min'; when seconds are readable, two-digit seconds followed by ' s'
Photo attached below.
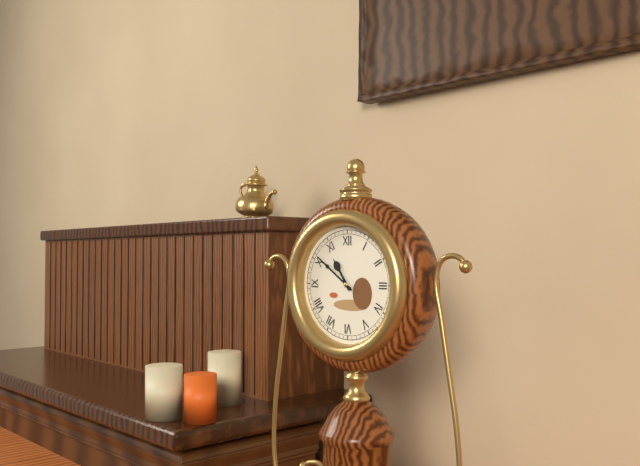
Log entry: 10 h 51 min
